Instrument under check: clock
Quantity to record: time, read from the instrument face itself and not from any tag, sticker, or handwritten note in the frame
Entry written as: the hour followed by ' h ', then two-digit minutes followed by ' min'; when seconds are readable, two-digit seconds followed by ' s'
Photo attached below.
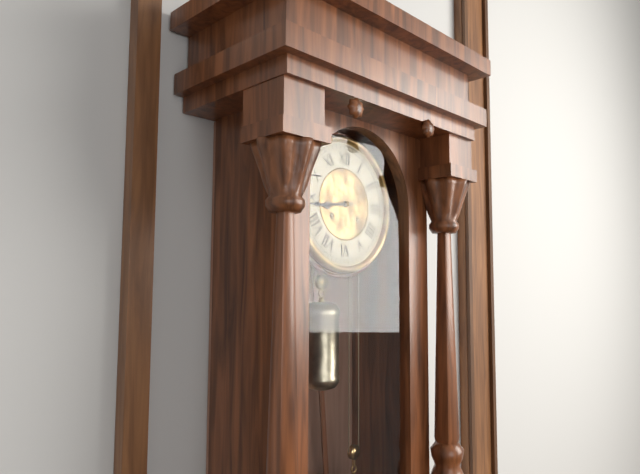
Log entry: 8 h 44 min
